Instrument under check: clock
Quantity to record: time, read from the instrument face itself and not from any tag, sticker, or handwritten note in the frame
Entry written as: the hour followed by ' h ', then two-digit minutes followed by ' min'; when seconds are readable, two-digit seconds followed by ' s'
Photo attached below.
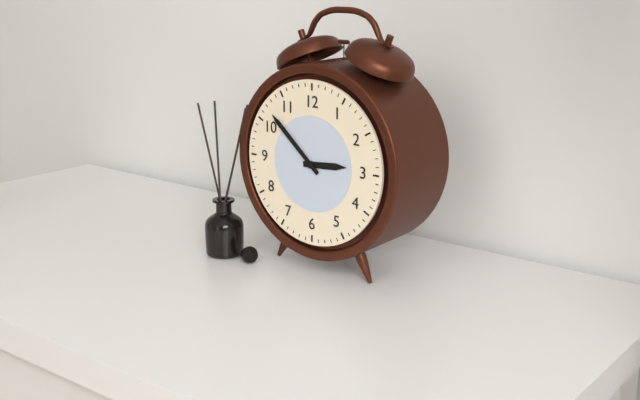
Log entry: 2 h 52 min
